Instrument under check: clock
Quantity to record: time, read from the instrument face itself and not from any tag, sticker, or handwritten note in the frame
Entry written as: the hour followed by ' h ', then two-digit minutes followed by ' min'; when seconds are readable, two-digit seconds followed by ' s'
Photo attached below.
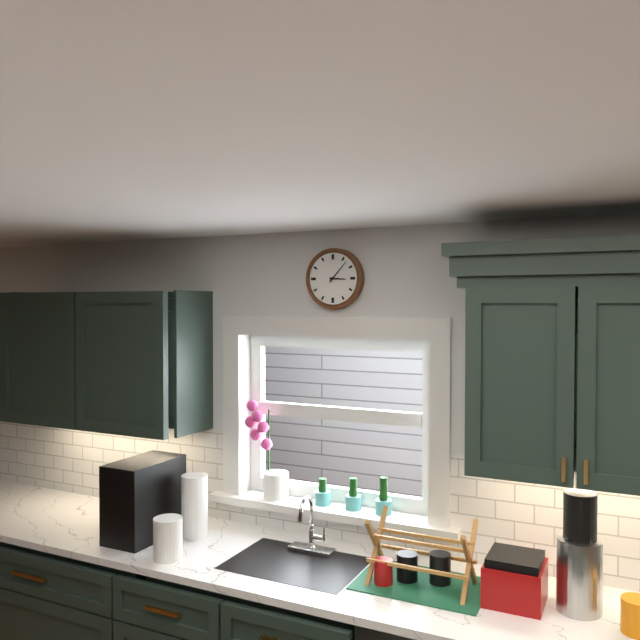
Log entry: 3 h 07 min
